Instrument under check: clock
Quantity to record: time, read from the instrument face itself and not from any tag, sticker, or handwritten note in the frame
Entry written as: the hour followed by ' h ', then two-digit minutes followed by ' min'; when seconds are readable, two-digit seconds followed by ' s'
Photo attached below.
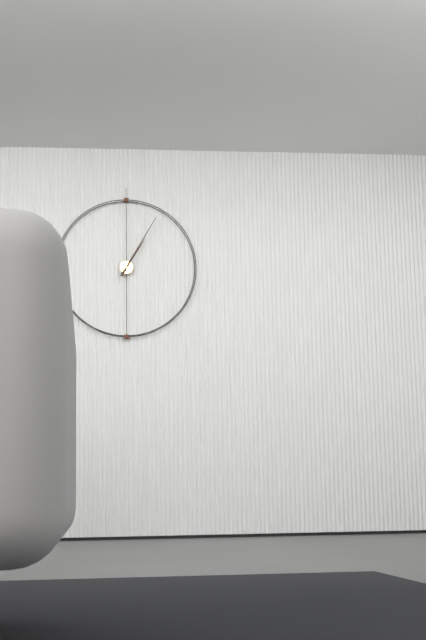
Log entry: 1 h 05 min
